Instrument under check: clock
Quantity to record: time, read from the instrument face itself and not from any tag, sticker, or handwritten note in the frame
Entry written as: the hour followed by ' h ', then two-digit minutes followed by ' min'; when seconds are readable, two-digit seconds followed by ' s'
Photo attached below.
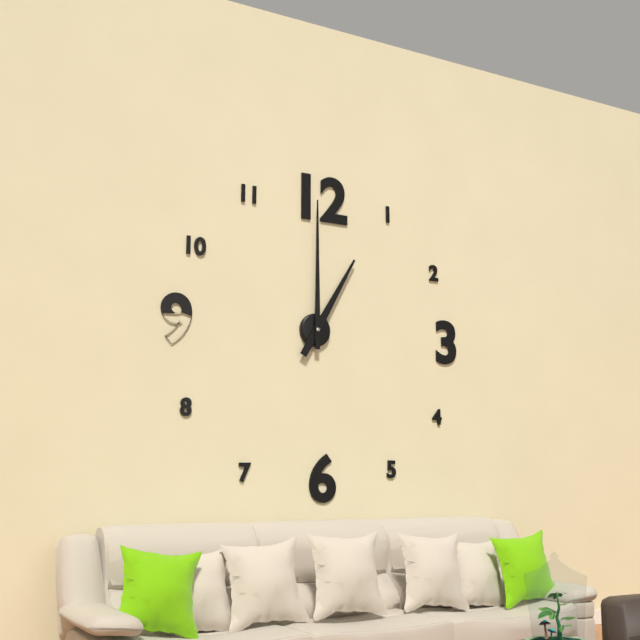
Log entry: 1 h 00 min
